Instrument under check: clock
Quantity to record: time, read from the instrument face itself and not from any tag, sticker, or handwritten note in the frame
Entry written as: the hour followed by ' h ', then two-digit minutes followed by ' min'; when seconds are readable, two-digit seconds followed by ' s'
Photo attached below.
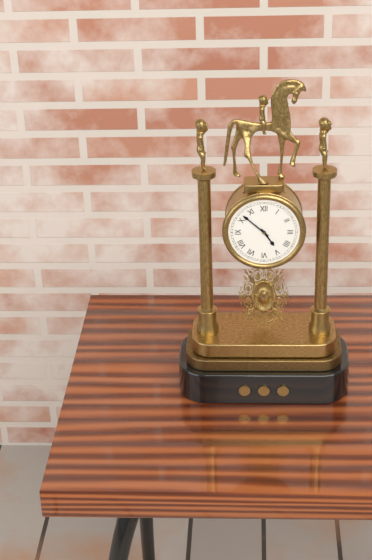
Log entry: 4 h 52 min
